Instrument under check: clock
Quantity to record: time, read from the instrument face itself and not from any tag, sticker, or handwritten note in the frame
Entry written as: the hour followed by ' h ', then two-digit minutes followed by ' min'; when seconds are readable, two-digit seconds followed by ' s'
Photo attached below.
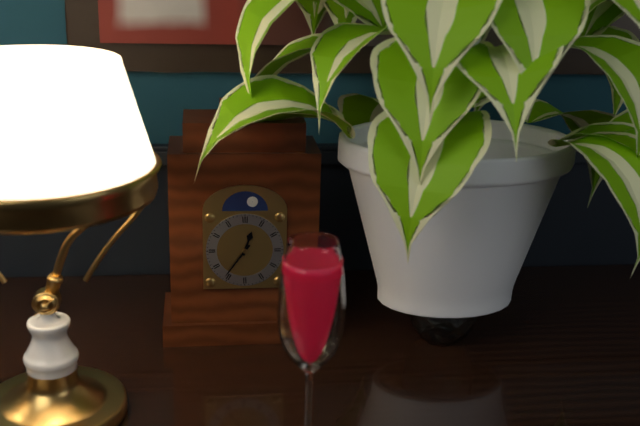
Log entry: 12 h 36 min
